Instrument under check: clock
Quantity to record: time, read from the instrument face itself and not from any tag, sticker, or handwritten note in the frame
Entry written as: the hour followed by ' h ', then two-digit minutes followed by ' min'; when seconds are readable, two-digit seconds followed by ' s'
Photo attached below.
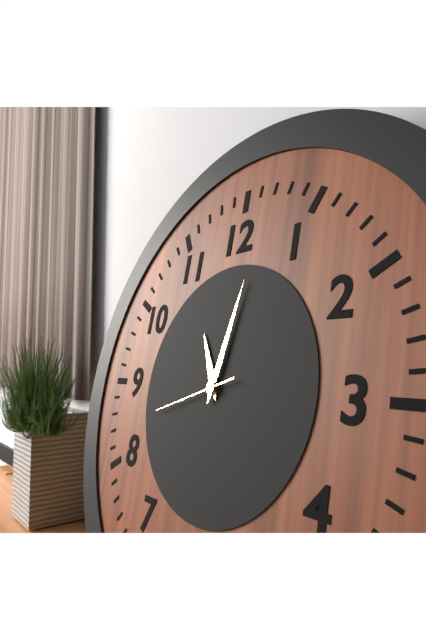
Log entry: 11 h 02 min 42 s
